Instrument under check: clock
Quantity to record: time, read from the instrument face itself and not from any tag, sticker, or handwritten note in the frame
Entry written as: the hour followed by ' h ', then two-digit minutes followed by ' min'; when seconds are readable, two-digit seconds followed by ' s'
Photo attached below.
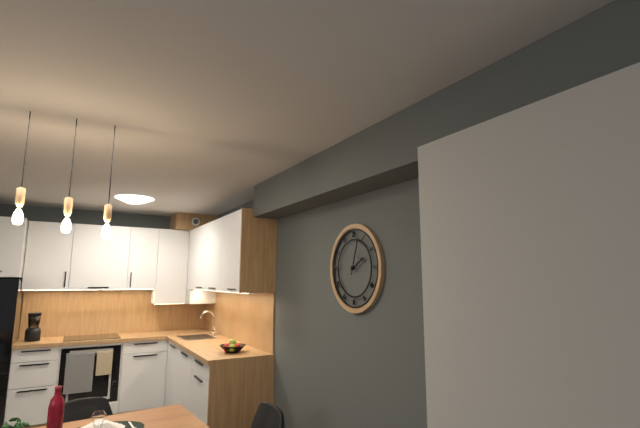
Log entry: 2 h 03 min
